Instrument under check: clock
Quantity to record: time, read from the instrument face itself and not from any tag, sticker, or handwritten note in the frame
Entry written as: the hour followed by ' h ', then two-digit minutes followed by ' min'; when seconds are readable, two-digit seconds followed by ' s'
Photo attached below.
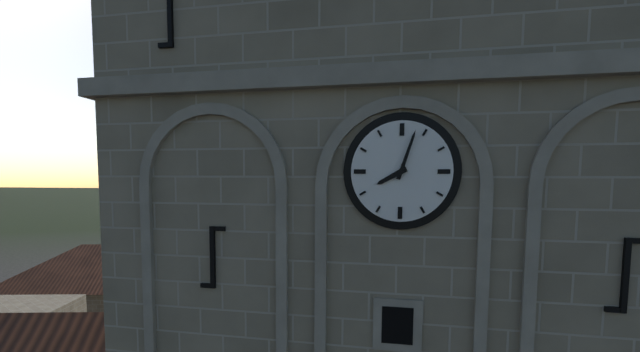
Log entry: 8 h 03 min
